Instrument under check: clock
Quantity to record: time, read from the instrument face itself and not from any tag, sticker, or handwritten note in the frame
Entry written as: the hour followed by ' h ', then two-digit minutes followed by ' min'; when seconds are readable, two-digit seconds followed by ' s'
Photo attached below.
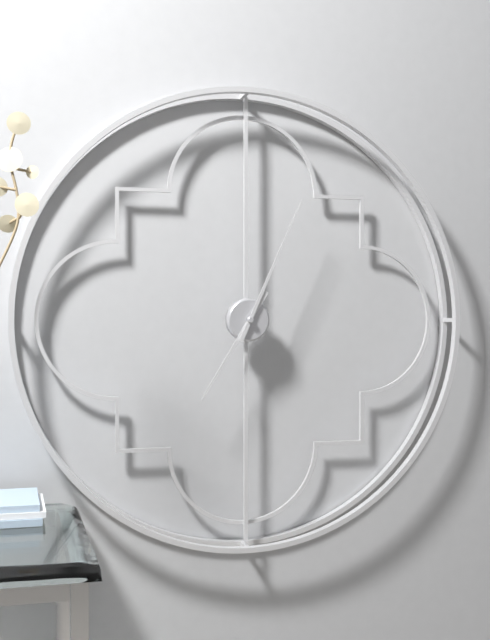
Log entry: 7 h 04 min
